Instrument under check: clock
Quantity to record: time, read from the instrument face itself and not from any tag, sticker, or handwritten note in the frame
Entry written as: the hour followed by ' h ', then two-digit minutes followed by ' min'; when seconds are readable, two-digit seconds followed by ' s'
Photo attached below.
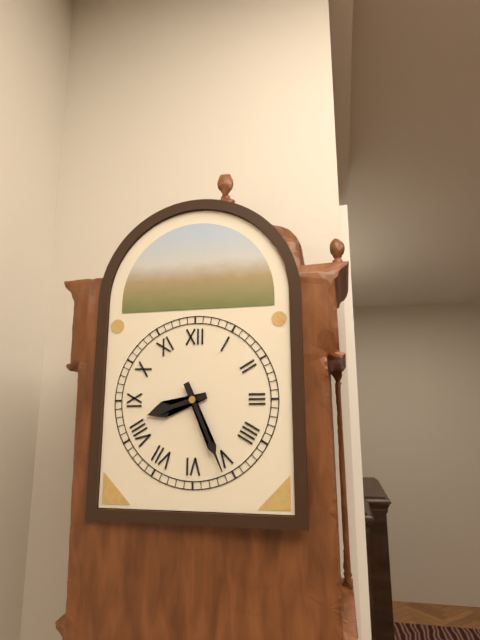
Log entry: 8 h 26 min
